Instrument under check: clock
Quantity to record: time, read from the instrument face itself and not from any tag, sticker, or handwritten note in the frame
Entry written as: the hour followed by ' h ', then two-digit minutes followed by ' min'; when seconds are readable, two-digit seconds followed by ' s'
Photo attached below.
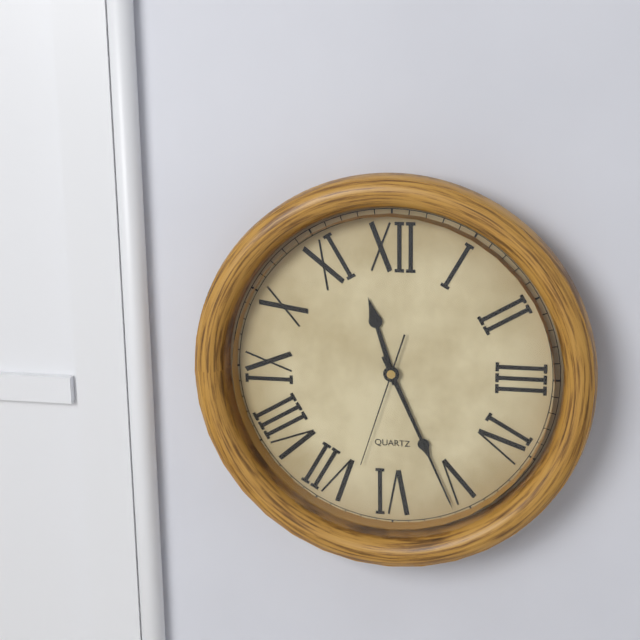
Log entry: 11 h 26 min 33 s
